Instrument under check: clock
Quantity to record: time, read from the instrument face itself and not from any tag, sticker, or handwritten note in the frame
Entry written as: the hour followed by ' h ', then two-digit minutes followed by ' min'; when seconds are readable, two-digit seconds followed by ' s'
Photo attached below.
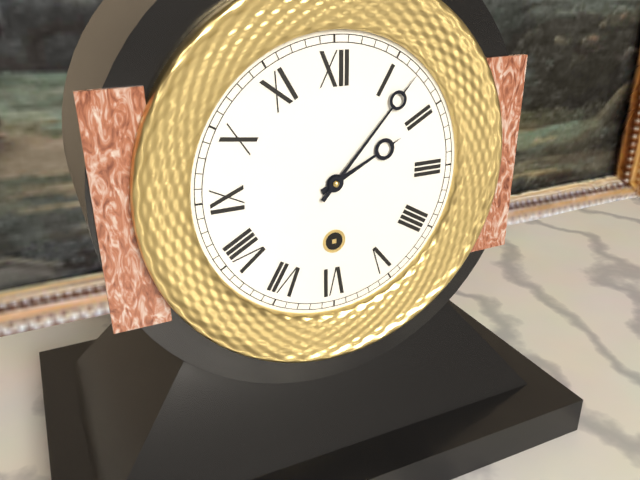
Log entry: 2 h 07 min
